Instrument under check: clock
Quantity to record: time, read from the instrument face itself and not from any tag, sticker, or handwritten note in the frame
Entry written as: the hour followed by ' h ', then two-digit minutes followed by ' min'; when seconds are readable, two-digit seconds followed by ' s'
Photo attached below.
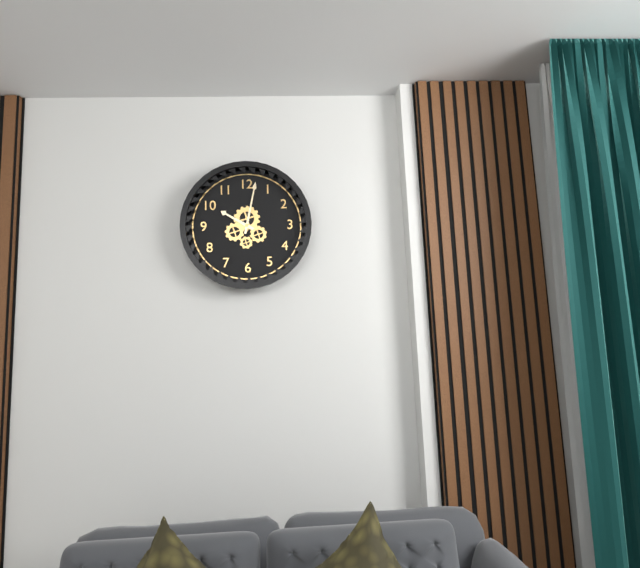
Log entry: 10 h 02 min
